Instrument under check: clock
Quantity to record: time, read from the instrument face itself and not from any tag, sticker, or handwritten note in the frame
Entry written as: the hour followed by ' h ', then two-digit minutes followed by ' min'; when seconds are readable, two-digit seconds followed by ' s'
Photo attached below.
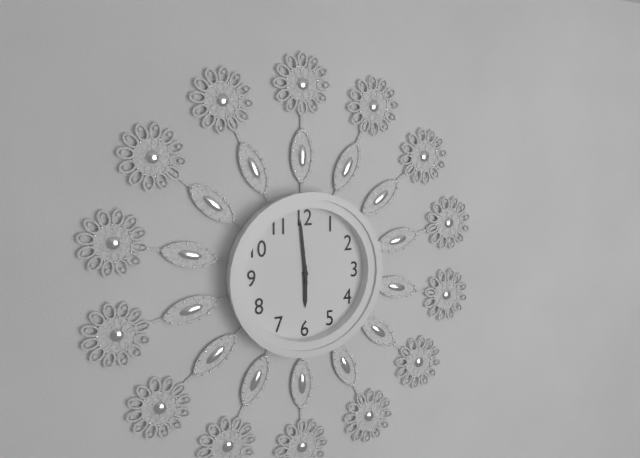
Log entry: 5 h 59 min
